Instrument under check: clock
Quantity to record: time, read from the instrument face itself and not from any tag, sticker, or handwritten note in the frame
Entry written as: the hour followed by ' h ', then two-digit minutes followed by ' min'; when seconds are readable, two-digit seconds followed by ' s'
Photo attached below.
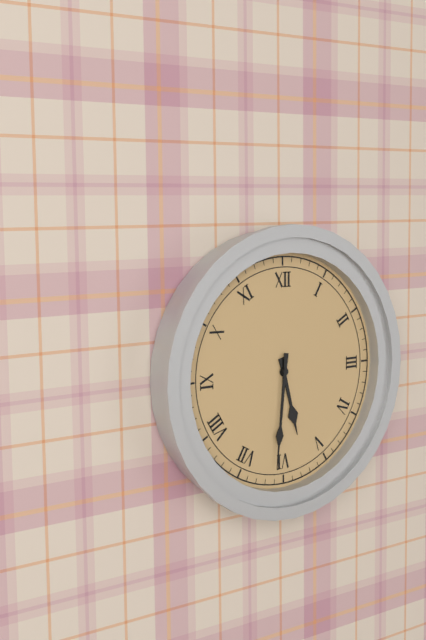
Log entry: 5 h 31 min
